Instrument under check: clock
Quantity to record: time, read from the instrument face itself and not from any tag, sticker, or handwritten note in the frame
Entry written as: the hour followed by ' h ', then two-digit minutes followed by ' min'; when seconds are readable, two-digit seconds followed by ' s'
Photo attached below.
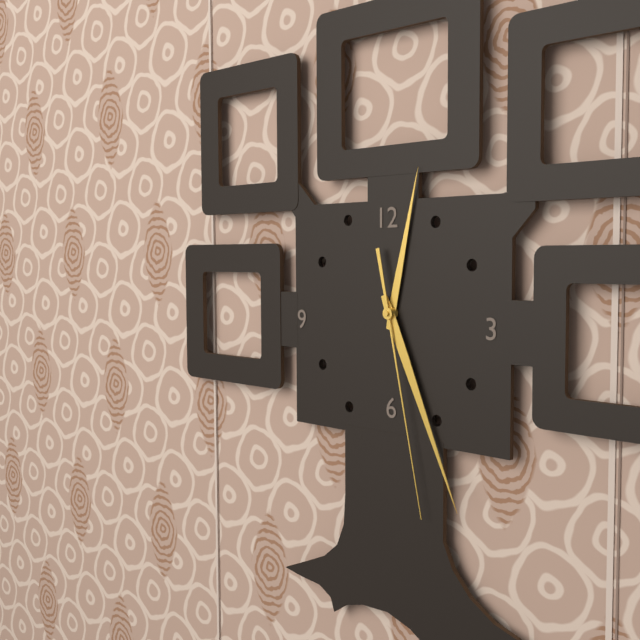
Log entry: 12 h 26 min 28 s
